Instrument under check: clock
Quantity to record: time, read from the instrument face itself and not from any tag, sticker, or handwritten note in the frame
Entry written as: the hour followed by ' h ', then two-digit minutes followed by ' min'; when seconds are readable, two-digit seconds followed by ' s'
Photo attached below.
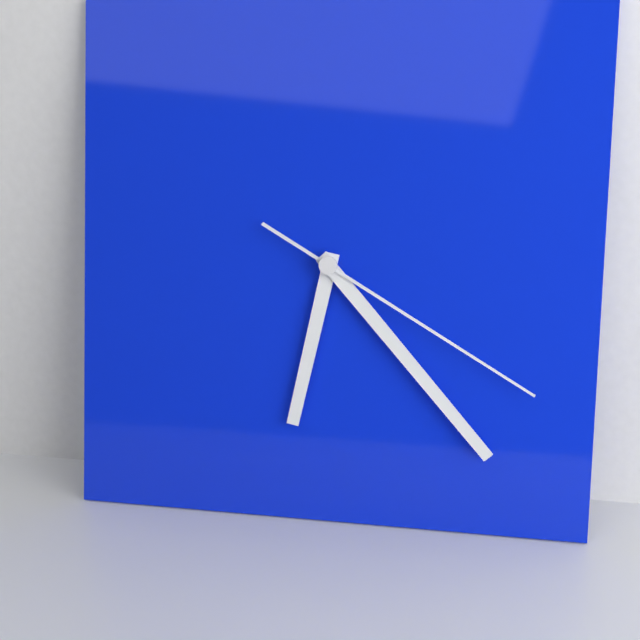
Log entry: 6 h 23 min 20 s
